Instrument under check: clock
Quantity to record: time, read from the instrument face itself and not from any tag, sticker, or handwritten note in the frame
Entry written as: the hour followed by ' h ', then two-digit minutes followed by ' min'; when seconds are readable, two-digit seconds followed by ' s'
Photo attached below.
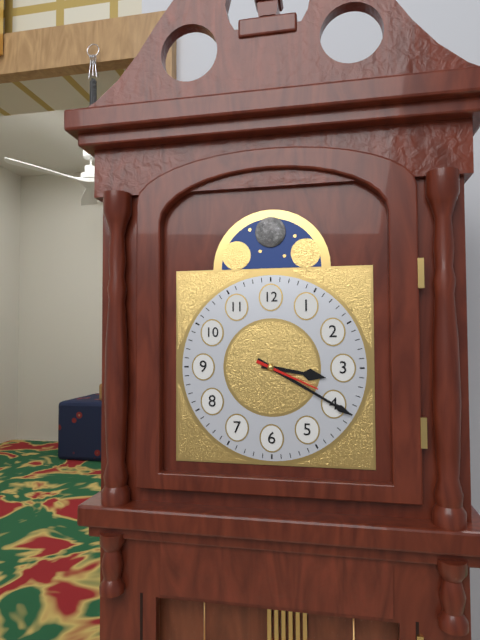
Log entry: 3 h 20 min 19 s
